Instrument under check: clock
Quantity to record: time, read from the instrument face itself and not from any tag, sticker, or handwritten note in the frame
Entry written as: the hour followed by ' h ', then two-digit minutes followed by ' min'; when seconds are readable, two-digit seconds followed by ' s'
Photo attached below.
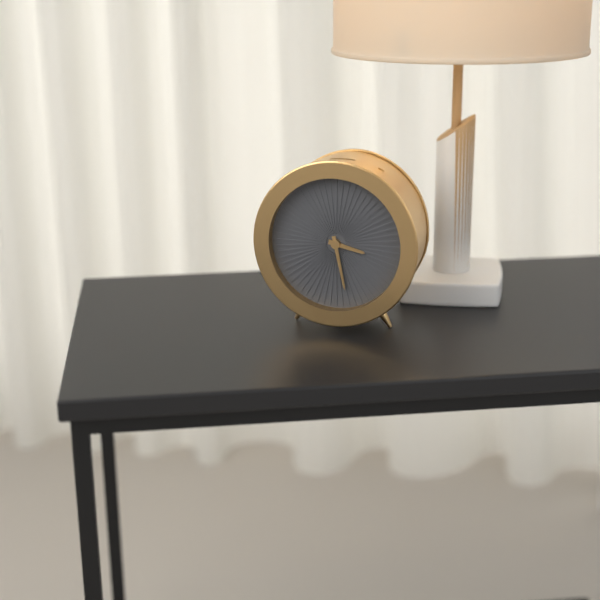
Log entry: 3 h 28 min
